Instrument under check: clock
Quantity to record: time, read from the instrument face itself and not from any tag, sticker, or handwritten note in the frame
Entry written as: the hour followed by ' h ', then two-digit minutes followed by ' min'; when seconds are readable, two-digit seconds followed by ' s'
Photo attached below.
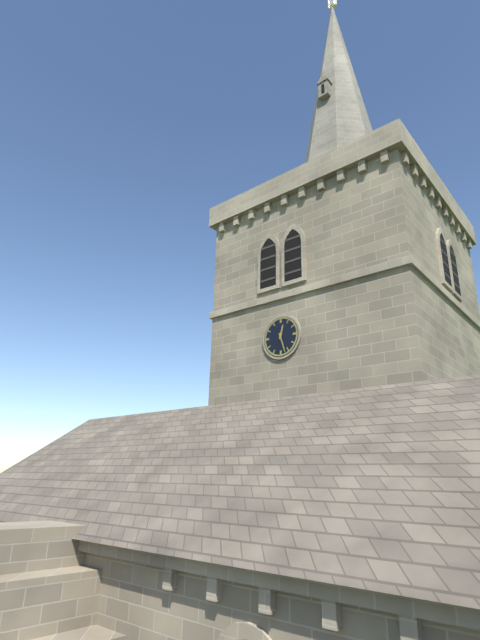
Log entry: 12 h 27 min
